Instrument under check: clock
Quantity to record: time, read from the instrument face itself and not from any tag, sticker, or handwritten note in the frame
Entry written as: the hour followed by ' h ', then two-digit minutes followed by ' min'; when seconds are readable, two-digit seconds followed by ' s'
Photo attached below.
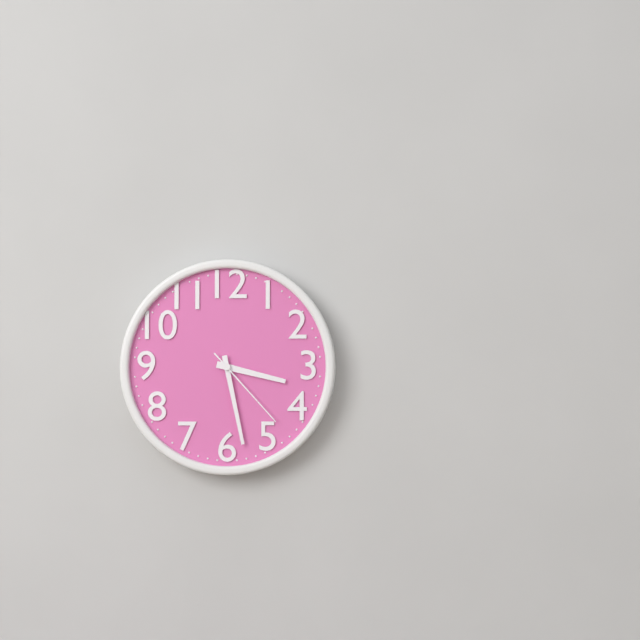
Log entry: 3 h 28 min 23 s
